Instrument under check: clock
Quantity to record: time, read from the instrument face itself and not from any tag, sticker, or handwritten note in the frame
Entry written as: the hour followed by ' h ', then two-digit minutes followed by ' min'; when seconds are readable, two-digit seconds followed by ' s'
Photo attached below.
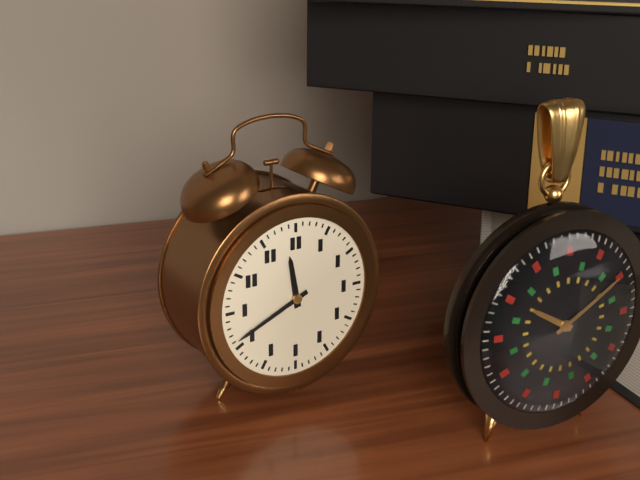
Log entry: 11 h 41 min
